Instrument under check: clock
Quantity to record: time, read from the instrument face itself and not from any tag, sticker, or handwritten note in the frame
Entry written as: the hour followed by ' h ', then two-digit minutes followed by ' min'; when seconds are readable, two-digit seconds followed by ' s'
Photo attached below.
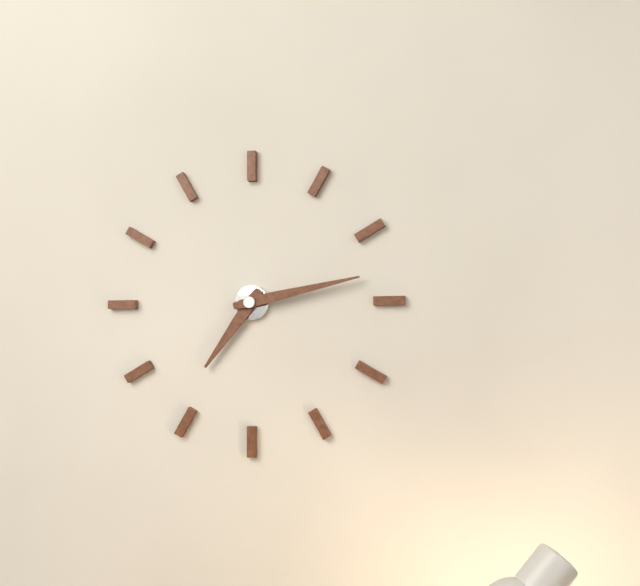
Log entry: 7 h 13 min
